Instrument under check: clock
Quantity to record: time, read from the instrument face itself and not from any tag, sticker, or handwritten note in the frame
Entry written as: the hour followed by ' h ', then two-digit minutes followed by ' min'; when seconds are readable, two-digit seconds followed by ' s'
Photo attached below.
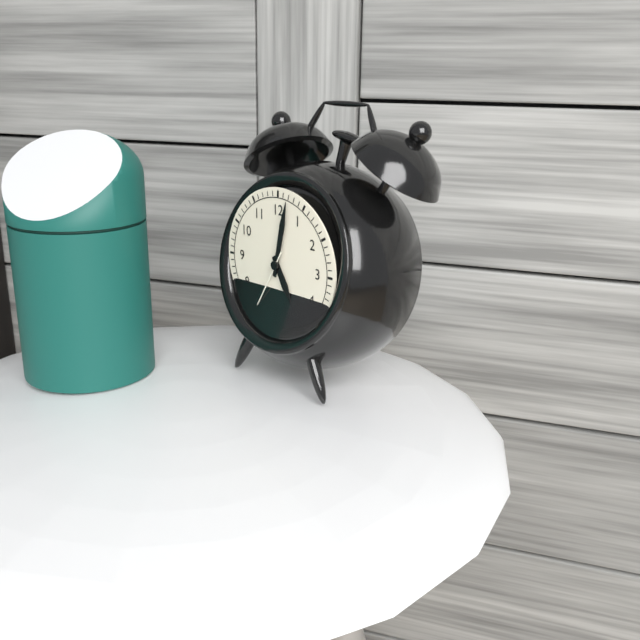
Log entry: 5 h 02 min 35 s
